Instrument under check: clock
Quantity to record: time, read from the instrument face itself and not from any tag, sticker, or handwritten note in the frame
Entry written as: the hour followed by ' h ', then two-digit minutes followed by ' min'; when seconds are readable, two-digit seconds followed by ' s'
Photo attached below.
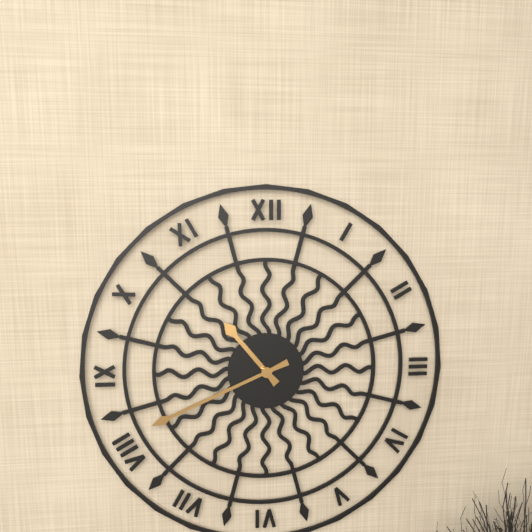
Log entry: 10 h 41 min
